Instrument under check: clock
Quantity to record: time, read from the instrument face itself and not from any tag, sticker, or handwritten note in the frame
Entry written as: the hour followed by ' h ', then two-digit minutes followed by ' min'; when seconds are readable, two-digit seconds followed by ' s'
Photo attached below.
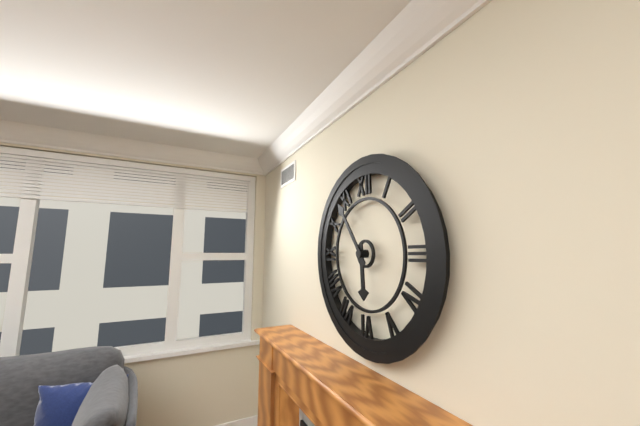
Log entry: 5 h 54 min
